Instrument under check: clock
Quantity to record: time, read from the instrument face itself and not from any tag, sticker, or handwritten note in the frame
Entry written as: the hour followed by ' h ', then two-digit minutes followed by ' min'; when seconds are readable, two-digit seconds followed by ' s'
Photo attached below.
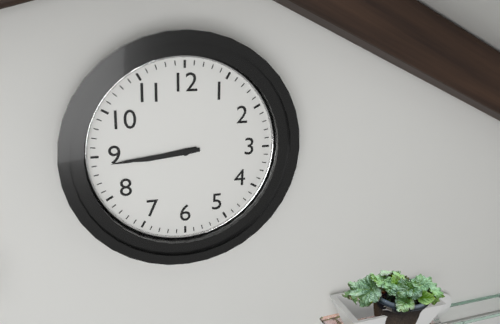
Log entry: 8 h 44 min
